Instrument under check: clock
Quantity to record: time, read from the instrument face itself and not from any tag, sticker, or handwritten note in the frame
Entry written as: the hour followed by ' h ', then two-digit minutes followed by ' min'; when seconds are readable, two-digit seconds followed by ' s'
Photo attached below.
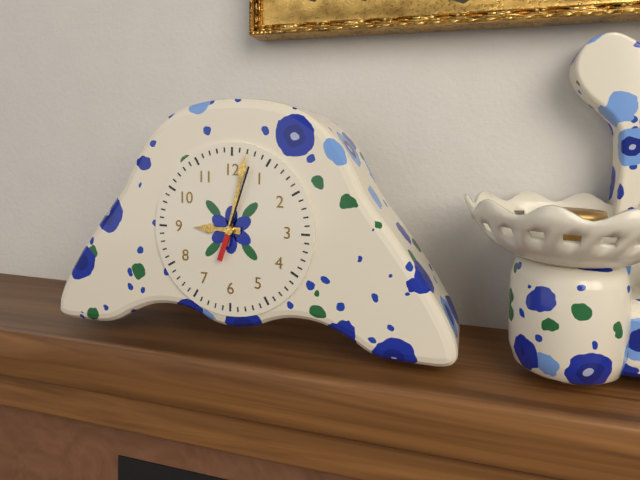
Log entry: 9 h 02 min 03 s
